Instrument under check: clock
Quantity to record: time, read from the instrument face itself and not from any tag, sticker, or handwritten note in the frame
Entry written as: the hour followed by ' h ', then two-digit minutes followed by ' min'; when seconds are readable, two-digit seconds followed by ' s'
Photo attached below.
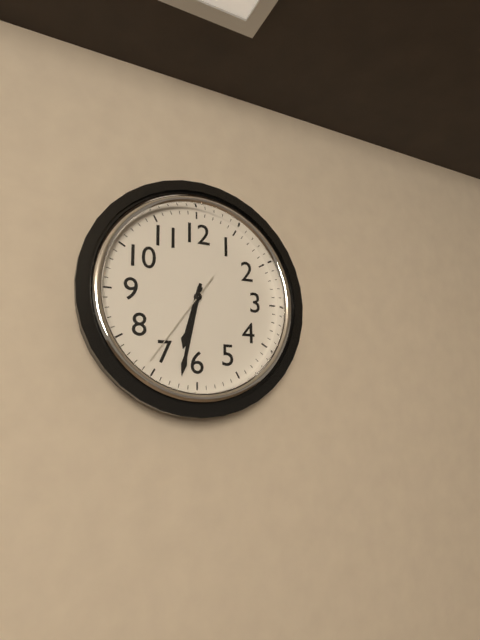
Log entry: 6 h 32 min 36 s
